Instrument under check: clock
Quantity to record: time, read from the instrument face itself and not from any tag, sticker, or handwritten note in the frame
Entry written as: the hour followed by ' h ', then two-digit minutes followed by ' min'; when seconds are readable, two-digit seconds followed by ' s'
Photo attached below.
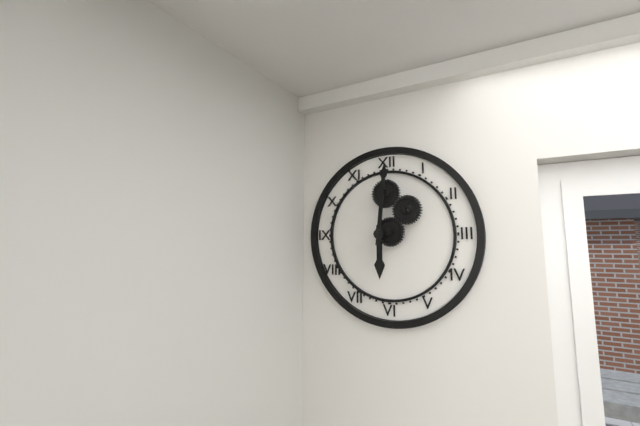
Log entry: 6 h 01 min
